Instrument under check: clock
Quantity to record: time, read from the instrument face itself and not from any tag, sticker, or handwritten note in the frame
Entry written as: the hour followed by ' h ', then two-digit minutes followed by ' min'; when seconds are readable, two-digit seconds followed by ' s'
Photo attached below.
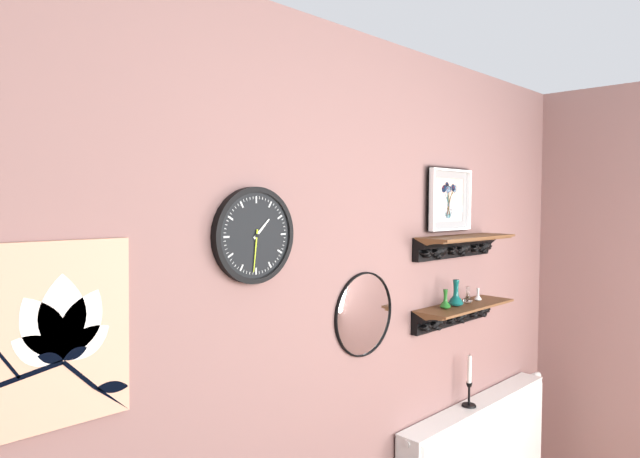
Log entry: 1 h 31 min
